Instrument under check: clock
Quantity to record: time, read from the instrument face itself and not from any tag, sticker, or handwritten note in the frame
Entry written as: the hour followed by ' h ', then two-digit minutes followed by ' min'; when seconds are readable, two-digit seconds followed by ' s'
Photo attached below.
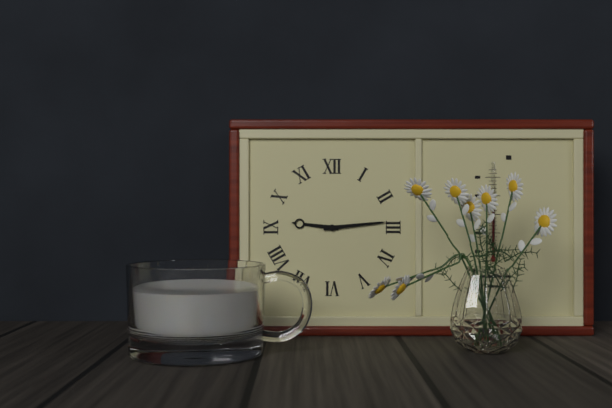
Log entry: 9 h 14 min
